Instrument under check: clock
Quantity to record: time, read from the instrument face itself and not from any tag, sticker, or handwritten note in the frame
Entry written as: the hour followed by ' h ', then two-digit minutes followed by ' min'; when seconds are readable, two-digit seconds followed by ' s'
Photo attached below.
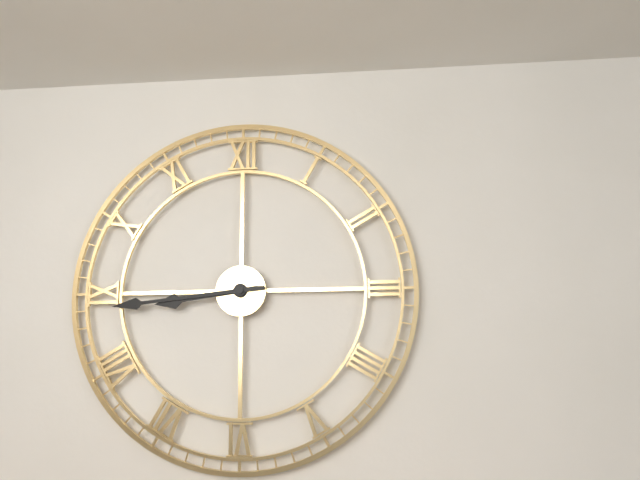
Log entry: 8 h 44 min
